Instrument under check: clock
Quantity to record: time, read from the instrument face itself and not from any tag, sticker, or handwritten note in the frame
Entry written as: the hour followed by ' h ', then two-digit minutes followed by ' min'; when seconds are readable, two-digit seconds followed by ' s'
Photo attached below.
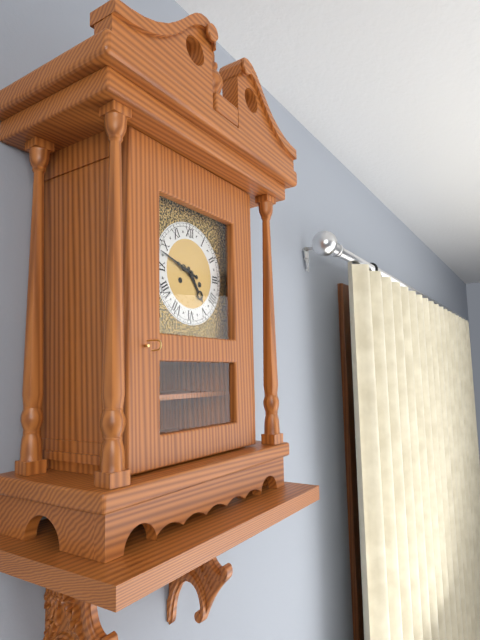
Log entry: 4 h 48 min
